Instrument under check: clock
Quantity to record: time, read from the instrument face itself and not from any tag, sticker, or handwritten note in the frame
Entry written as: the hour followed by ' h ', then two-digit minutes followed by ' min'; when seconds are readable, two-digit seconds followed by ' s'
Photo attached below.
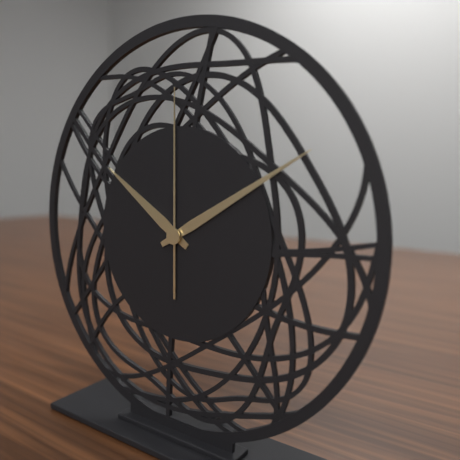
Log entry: 10 h 10 min 00 s
